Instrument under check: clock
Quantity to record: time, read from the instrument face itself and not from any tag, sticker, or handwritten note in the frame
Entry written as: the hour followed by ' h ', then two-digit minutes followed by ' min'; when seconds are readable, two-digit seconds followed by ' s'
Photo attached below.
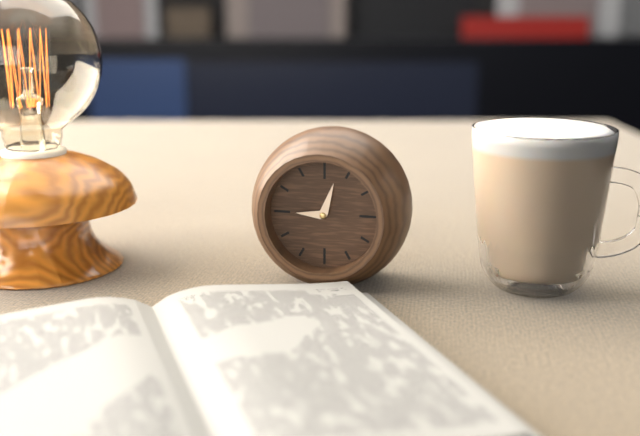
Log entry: 9 h 03 min
